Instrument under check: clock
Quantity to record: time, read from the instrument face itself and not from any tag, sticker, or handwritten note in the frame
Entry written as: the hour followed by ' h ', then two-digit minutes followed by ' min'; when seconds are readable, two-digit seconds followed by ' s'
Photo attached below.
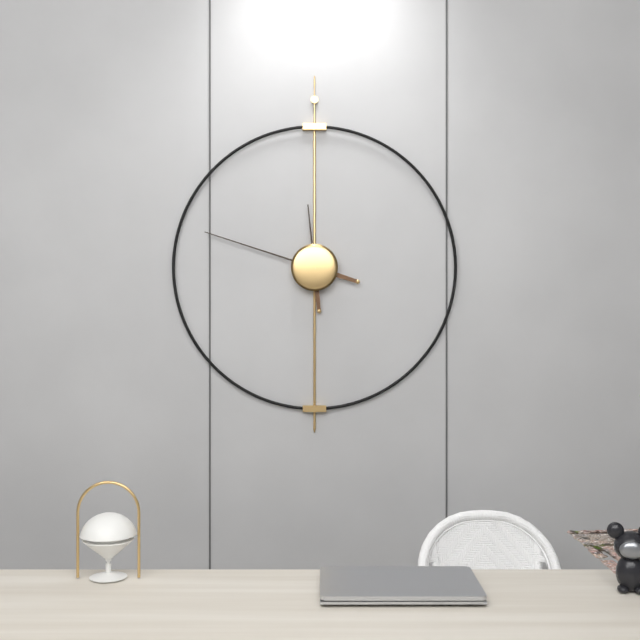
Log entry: 11 h 48 min
